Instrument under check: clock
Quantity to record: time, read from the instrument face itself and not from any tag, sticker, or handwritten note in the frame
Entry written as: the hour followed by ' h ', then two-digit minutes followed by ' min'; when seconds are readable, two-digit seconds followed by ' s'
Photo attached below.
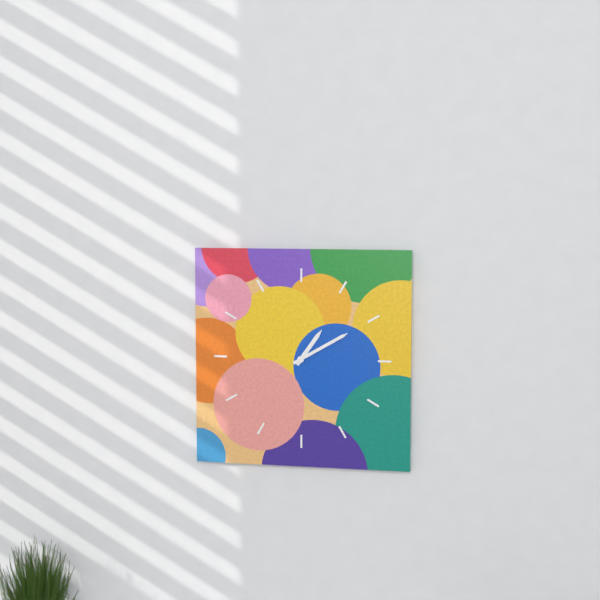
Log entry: 1 h 10 min
